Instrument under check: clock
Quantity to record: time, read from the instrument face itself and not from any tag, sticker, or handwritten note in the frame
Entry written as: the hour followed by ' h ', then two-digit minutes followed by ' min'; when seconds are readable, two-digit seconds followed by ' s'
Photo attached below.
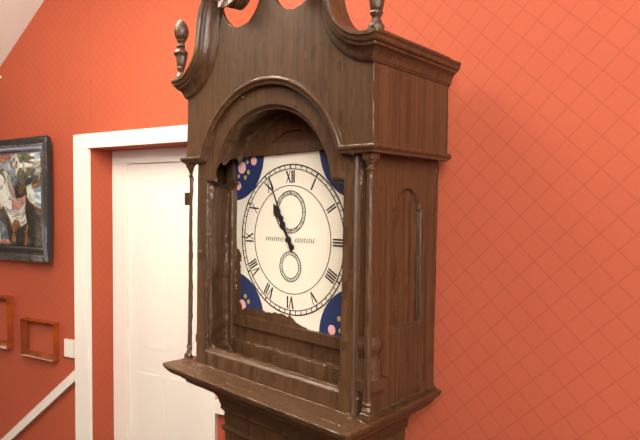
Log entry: 10 h 56 min
